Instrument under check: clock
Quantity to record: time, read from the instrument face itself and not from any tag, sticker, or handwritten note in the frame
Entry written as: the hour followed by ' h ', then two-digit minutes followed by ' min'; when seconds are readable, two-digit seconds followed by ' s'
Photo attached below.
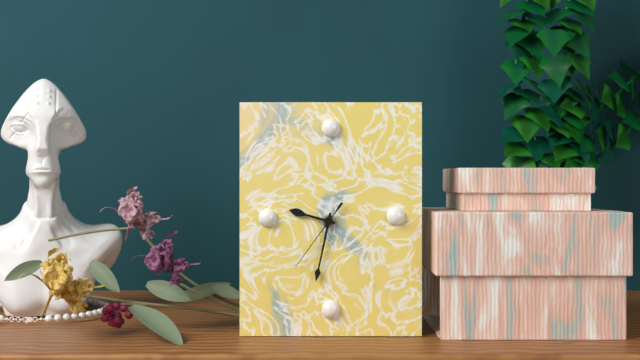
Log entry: 9 h 32 min 36 s
